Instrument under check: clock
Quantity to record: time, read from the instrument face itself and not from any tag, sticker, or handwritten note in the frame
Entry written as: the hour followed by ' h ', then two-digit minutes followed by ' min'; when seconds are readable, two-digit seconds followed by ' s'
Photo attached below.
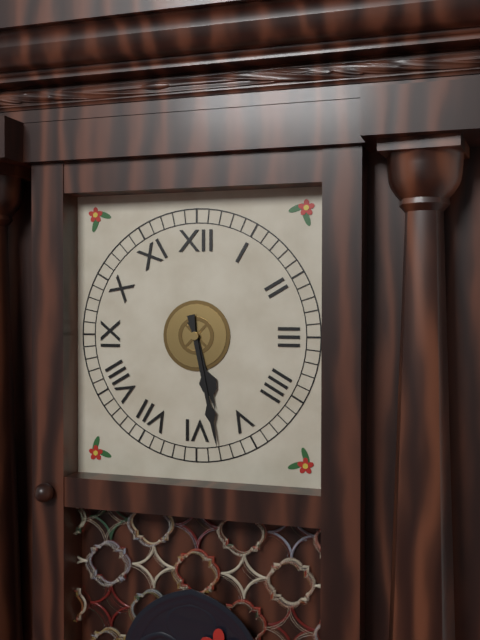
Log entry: 5 h 28 min
